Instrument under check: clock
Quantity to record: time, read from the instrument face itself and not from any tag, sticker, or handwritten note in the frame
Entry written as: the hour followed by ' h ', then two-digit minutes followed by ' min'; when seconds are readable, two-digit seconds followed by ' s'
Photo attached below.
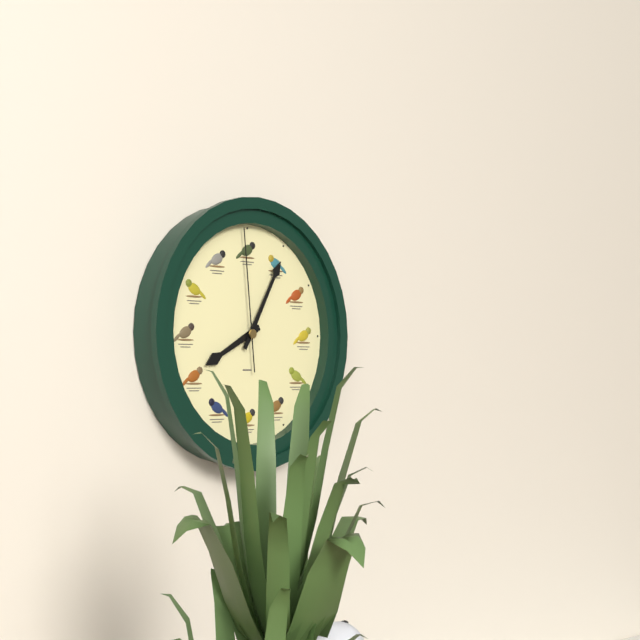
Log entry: 8 h 05 min 59 s
